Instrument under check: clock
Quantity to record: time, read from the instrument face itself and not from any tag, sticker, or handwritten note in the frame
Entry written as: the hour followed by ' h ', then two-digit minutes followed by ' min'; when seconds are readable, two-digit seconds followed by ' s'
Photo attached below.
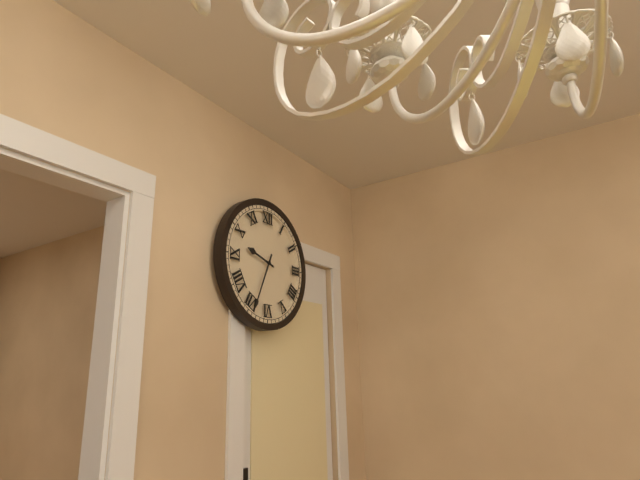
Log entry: 9 h 34 min
